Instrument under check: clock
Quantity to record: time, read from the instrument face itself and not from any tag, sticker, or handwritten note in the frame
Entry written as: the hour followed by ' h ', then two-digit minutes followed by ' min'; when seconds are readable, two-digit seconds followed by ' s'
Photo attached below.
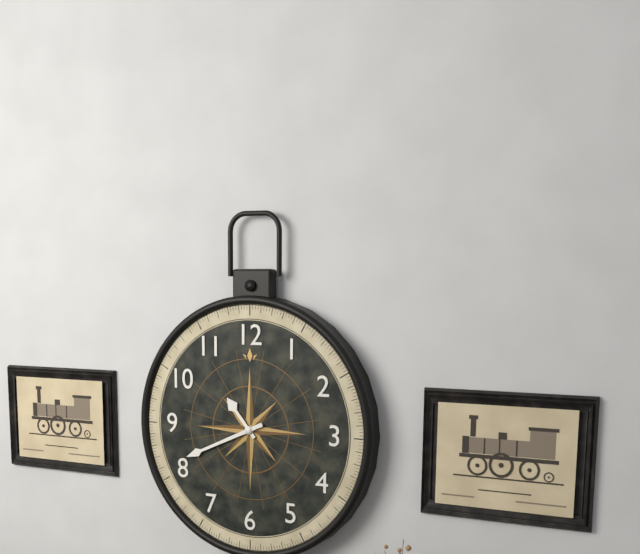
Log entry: 10 h 41 min
